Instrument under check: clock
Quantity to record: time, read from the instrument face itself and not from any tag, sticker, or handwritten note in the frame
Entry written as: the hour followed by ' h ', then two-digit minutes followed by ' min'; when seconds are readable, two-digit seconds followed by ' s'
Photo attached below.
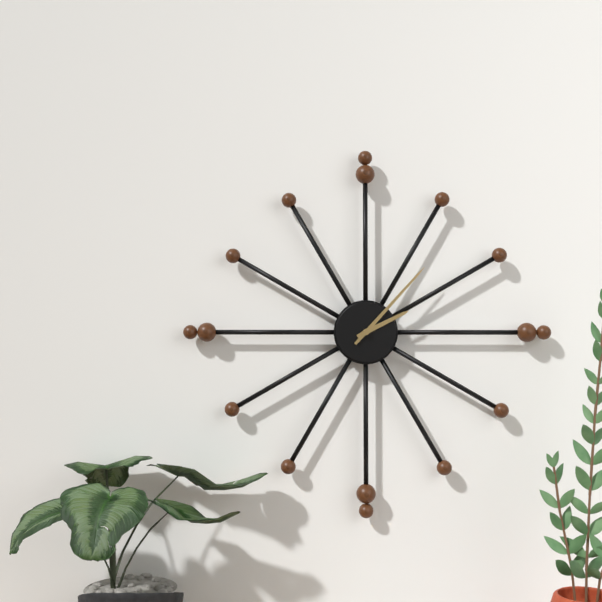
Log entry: 2 h 07 min
